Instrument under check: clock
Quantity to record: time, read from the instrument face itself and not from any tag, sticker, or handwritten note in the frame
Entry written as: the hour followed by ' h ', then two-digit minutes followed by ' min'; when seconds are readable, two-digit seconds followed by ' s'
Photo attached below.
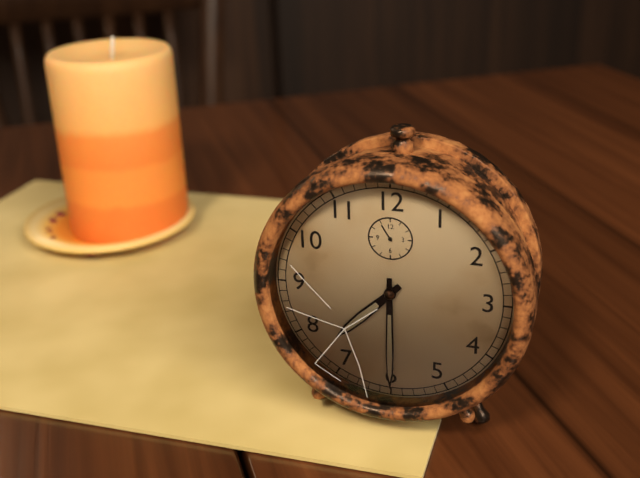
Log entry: 7 h 30 min
